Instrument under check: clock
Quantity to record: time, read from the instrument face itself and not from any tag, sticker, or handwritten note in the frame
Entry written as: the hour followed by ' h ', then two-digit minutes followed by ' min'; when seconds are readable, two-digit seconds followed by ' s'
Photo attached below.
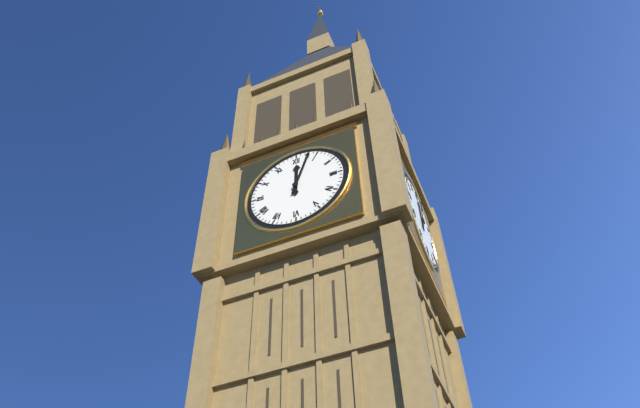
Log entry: 12 h 03 min
